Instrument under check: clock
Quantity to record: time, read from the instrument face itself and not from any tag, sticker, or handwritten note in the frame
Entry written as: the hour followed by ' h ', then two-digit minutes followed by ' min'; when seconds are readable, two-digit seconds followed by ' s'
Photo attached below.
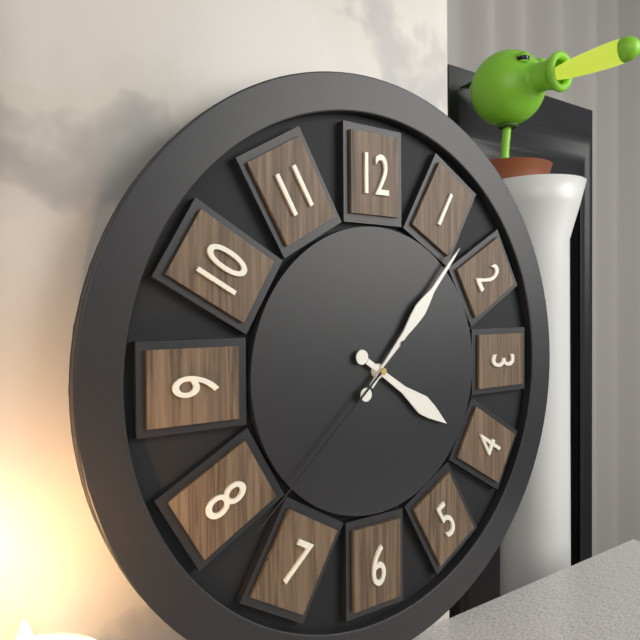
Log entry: 4 h 07 min 38 s
